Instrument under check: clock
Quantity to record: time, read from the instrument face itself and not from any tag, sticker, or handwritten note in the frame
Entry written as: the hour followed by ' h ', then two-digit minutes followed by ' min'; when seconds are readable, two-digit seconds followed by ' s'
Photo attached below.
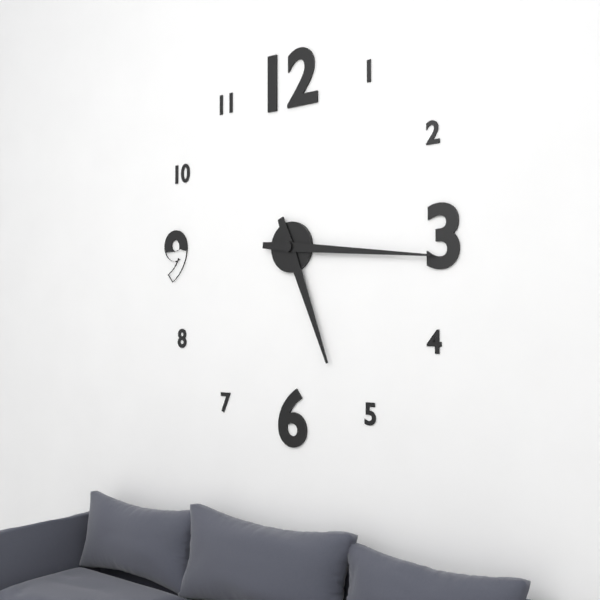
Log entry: 5 h 16 min
